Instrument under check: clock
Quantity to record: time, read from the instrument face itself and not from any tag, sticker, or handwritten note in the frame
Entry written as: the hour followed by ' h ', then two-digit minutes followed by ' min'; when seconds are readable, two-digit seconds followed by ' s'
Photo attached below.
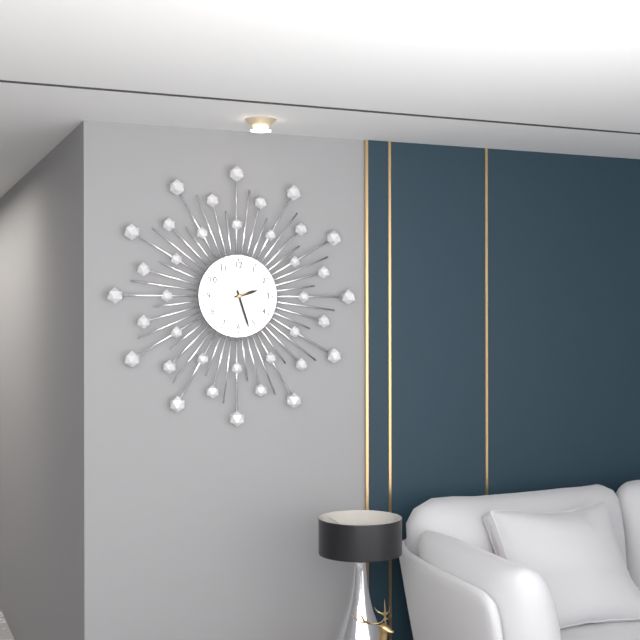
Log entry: 2 h 27 min
